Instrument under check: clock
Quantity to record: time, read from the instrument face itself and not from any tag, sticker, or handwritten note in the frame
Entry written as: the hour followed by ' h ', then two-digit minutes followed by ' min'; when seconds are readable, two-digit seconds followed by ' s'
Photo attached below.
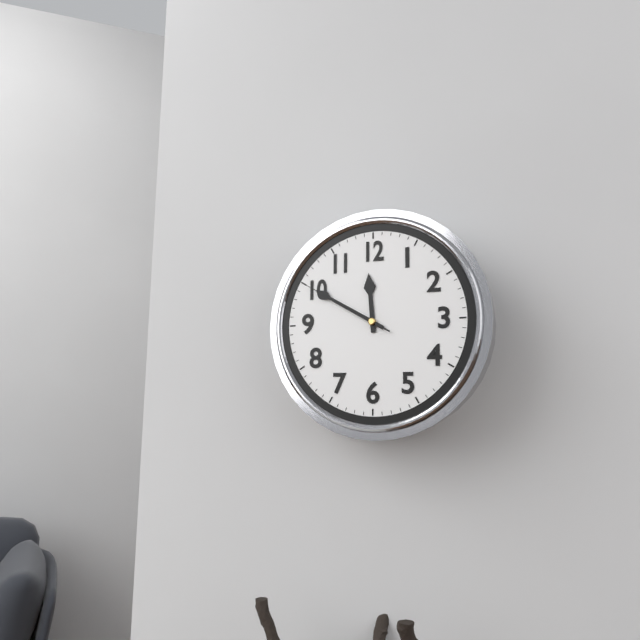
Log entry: 11 h 50 min 50 s
